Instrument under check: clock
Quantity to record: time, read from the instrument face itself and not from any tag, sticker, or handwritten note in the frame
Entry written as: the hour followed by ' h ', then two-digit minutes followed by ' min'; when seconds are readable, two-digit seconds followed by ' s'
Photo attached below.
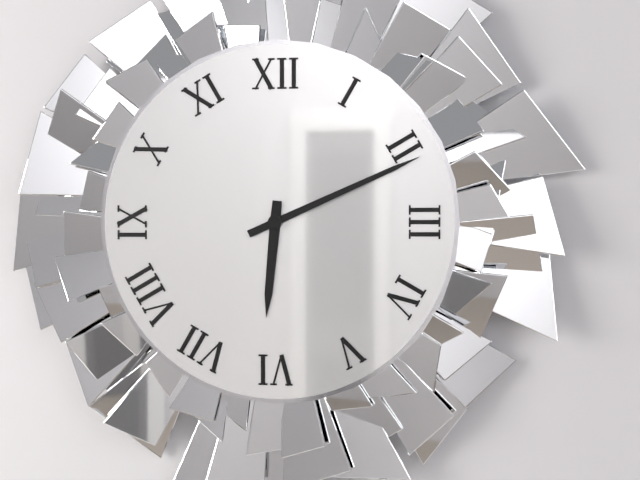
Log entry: 6 h 11 min
